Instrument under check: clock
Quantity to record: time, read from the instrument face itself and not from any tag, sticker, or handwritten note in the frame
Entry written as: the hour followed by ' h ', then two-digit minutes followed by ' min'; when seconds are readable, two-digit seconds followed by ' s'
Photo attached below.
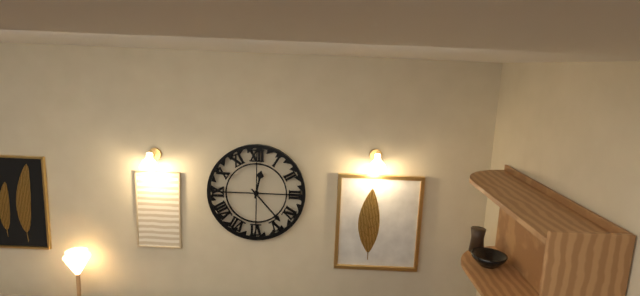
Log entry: 12 h 23 min
